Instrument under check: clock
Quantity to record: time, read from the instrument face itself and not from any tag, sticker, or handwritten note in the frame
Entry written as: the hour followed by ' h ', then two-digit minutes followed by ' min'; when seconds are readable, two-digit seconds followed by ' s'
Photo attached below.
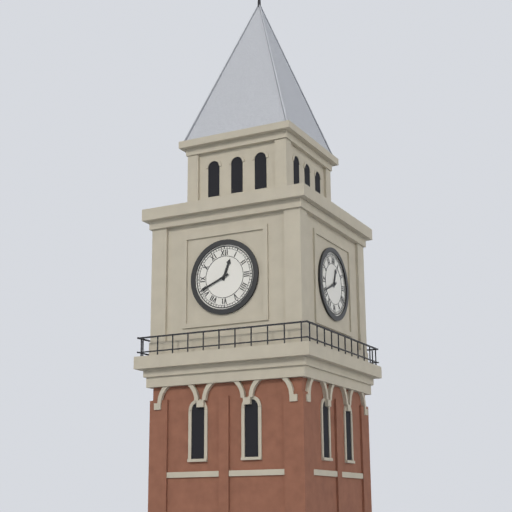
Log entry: 12 h 41 min
